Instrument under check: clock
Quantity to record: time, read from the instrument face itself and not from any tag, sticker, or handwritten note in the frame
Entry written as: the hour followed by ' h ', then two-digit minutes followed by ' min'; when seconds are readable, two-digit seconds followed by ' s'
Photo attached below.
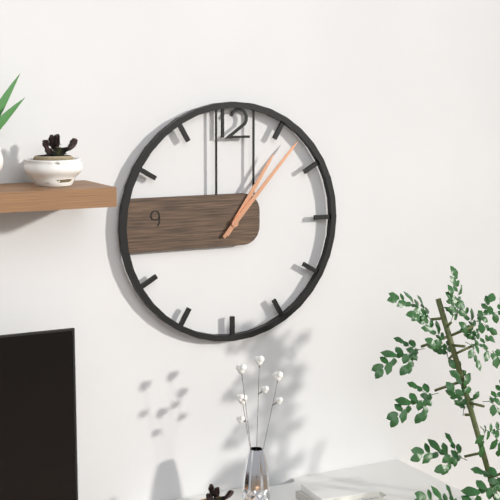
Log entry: 1 h 07 min
